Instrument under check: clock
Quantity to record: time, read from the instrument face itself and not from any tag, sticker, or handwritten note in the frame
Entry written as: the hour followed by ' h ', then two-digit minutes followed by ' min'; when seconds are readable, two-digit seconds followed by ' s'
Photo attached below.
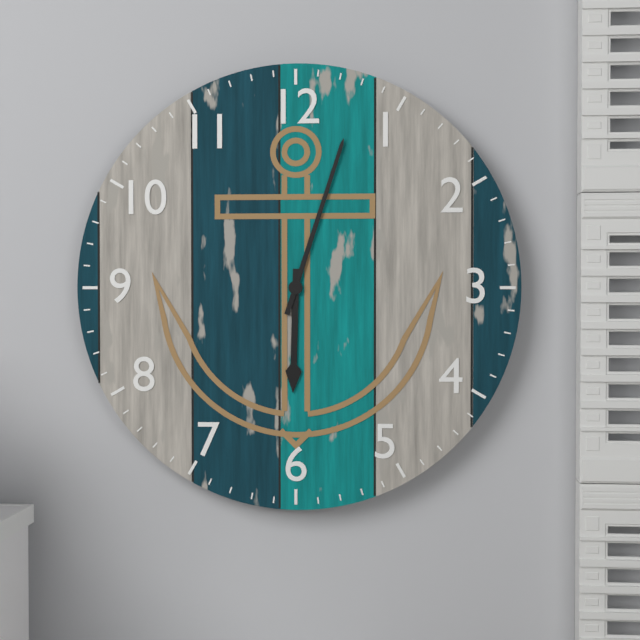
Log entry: 6 h 03 min
